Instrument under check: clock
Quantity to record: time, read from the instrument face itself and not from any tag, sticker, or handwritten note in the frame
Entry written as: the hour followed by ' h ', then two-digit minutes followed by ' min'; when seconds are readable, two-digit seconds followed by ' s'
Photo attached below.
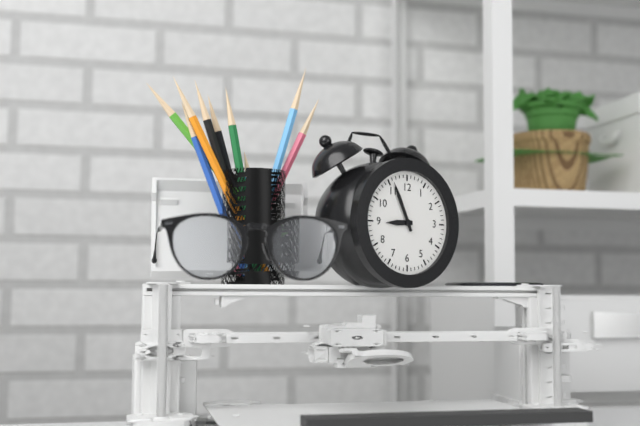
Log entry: 8 h 56 min
